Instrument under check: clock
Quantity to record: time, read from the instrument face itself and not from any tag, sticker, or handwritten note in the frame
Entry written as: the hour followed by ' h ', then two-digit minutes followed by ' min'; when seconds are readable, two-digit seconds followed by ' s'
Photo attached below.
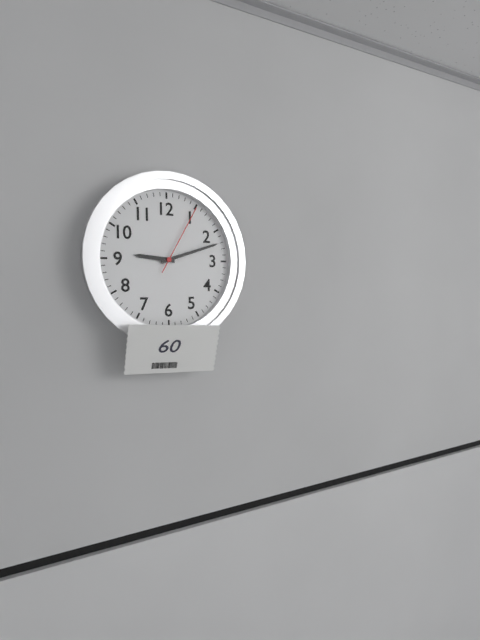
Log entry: 9 h 12 min 05 s
